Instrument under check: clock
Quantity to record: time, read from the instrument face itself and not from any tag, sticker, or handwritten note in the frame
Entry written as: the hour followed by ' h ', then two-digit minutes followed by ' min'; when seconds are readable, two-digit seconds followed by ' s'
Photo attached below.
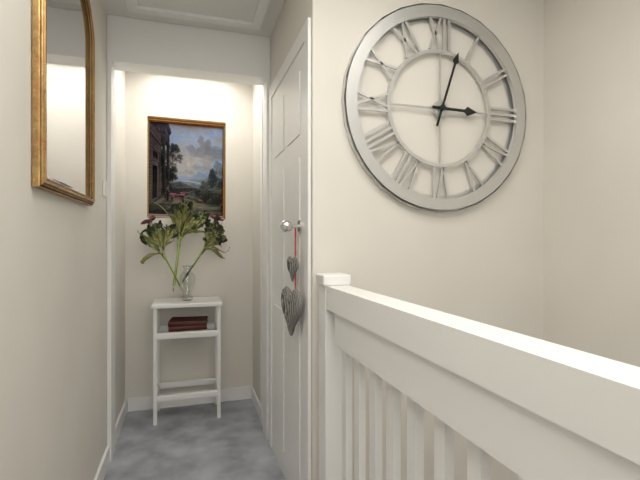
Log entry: 3 h 03 min
